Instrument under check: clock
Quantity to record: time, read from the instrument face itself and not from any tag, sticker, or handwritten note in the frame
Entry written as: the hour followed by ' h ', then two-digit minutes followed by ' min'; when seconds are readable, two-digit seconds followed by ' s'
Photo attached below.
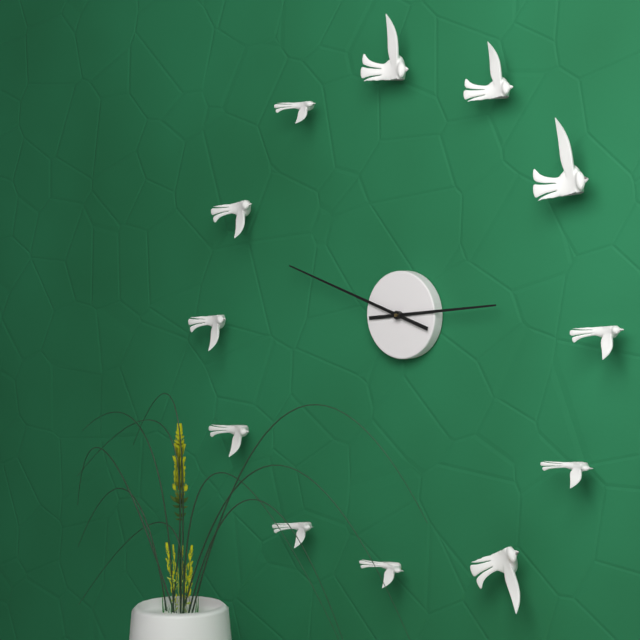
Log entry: 2 h 48 min
